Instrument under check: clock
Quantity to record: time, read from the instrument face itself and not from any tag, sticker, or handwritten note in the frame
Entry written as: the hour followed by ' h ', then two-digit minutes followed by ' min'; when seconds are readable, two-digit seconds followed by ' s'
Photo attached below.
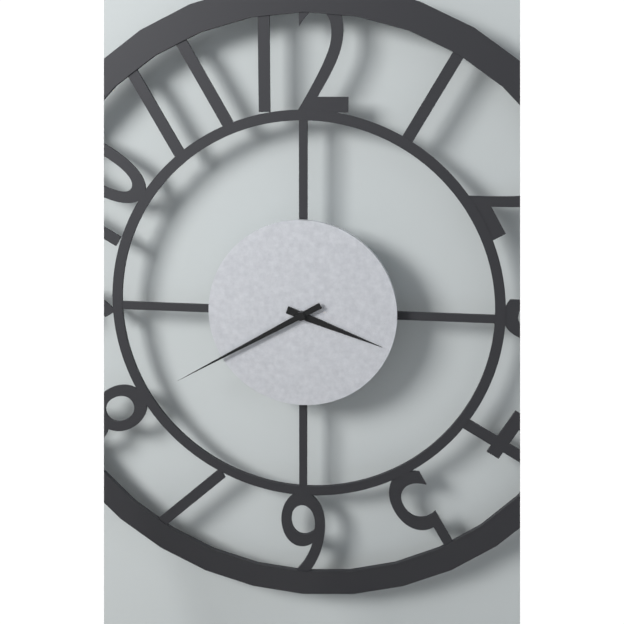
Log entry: 3 h 40 min
